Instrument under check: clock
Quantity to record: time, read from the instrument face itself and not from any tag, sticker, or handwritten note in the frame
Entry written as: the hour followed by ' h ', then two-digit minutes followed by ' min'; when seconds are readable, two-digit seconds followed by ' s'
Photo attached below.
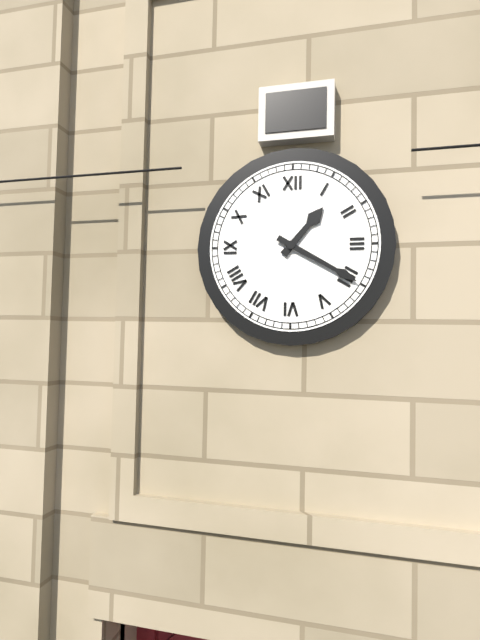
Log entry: 1 h 20 min
